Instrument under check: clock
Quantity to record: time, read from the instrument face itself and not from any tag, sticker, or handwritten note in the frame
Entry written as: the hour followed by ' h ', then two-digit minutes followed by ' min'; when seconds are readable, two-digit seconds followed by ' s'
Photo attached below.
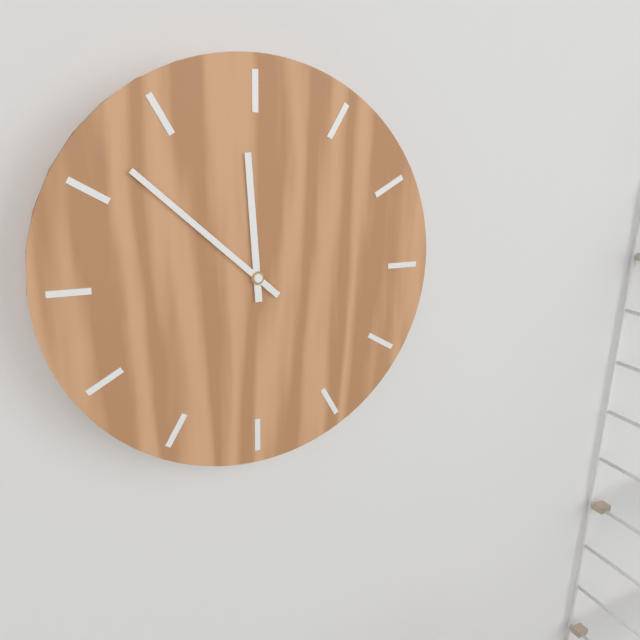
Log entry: 11 h 52 min
